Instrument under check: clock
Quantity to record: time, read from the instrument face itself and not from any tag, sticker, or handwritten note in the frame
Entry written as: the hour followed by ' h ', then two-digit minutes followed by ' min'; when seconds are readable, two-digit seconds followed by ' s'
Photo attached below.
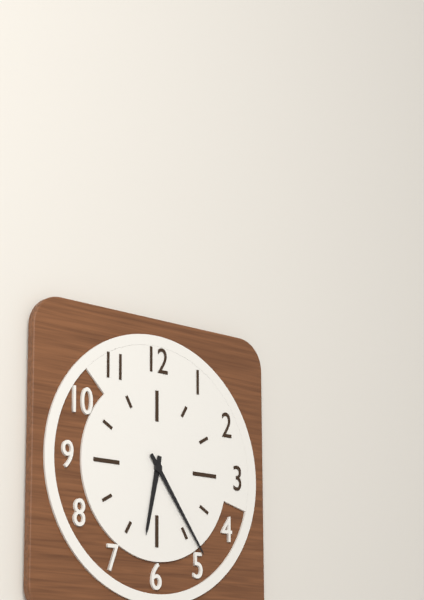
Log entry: 6 h 24 min
